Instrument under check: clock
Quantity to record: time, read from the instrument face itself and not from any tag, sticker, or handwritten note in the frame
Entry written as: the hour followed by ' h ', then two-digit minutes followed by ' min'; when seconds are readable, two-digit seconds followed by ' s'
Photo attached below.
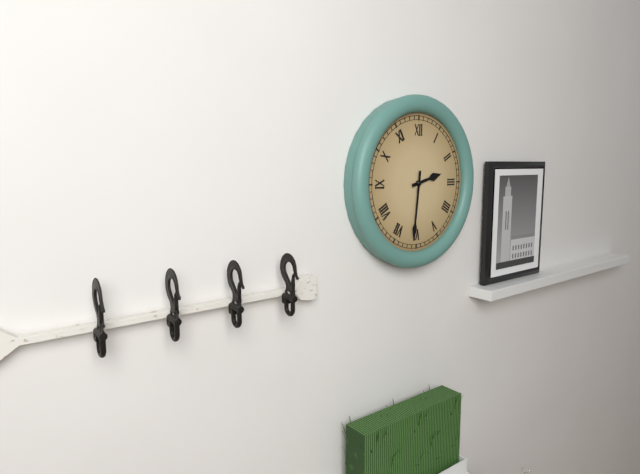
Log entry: 2 h 31 min
